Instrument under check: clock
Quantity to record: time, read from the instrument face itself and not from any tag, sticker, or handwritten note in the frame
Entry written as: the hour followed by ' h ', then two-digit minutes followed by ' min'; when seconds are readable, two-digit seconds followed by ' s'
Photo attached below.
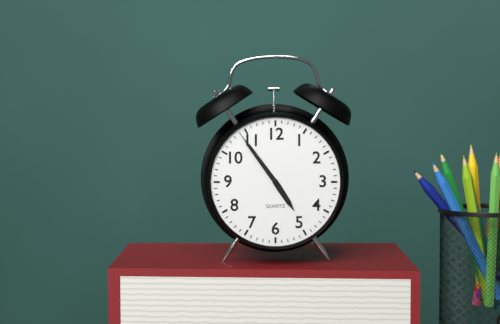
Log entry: 4 h 54 min 54 s
